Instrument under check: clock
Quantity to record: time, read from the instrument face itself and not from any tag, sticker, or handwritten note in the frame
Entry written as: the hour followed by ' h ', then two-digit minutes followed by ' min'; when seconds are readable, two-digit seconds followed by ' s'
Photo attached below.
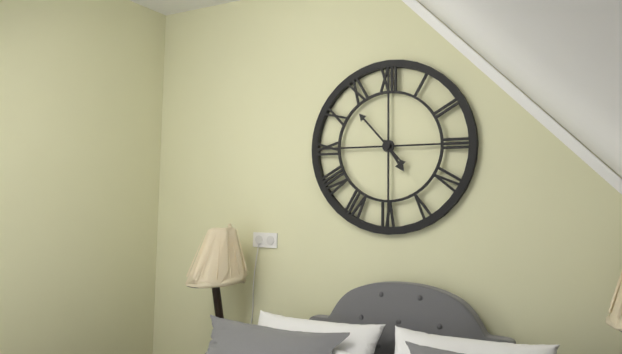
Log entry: 4 h 53 min
